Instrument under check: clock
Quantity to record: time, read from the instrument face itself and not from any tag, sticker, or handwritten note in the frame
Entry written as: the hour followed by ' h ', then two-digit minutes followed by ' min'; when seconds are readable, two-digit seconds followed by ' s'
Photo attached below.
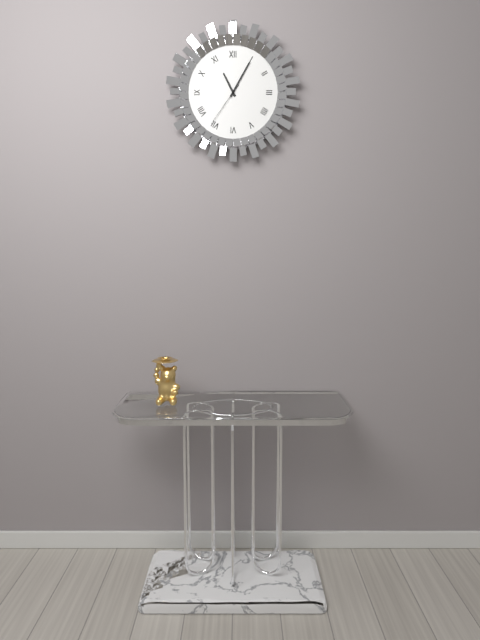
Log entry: 11 h 05 min
